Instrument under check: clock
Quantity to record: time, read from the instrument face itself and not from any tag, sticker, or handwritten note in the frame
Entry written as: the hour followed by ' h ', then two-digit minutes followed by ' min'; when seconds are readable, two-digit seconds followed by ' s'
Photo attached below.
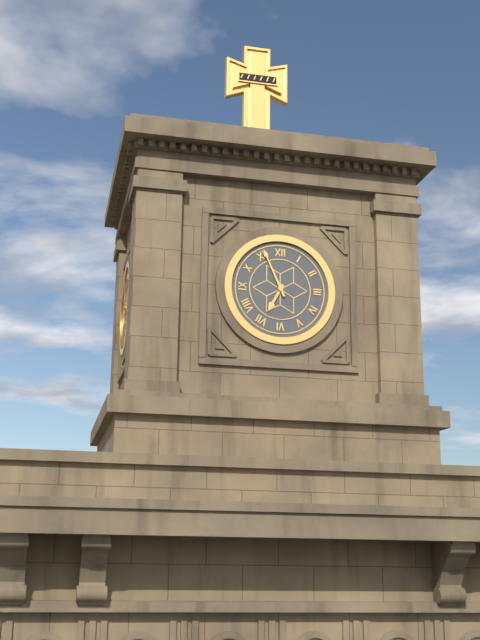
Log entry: 6 h 56 min
